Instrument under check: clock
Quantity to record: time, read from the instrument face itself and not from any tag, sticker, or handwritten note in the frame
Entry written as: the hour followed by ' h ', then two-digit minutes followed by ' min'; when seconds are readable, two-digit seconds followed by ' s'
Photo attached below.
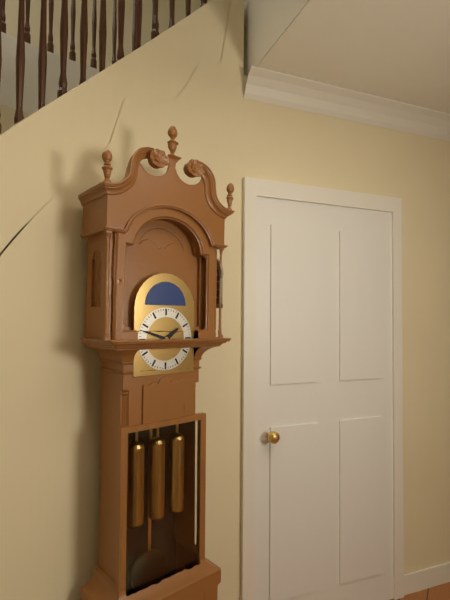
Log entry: 1 h 48 min
